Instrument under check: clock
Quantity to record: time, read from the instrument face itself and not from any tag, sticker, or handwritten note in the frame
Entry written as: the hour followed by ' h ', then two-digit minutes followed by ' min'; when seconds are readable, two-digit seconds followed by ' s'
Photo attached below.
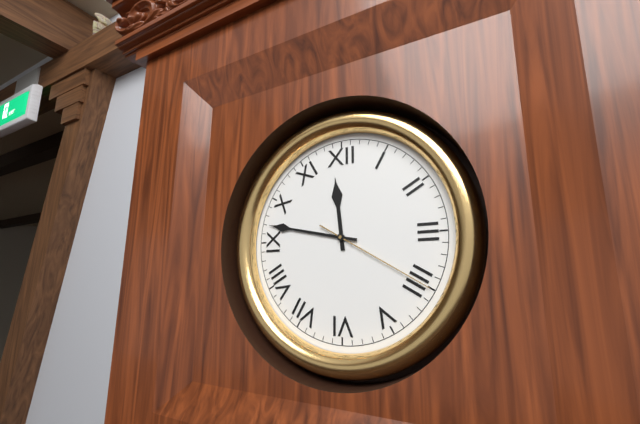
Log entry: 11 h 47 min 20 s
